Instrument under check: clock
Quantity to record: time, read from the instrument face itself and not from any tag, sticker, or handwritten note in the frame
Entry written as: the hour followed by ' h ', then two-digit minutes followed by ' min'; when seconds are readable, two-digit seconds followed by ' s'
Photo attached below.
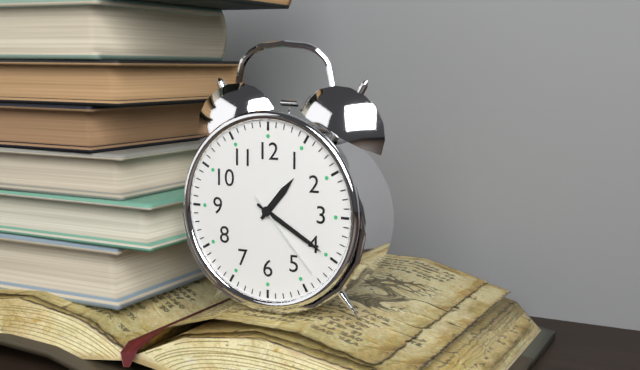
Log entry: 1 h 20 min 23 s
